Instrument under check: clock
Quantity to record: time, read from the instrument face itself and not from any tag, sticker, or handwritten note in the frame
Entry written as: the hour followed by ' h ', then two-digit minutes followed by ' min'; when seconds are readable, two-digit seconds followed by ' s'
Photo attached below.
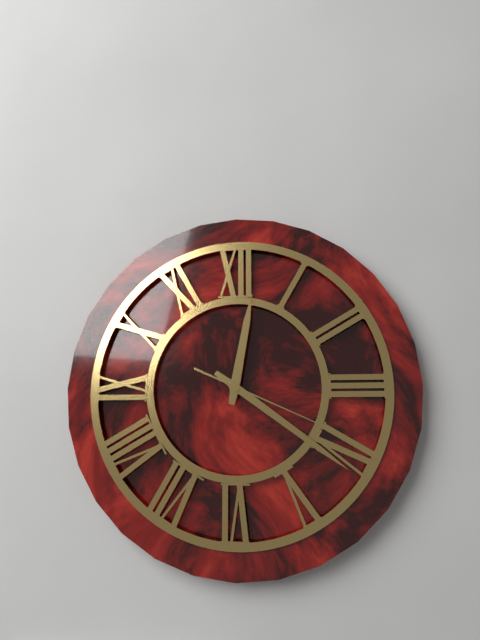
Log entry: 12 h 21 min 19 s
